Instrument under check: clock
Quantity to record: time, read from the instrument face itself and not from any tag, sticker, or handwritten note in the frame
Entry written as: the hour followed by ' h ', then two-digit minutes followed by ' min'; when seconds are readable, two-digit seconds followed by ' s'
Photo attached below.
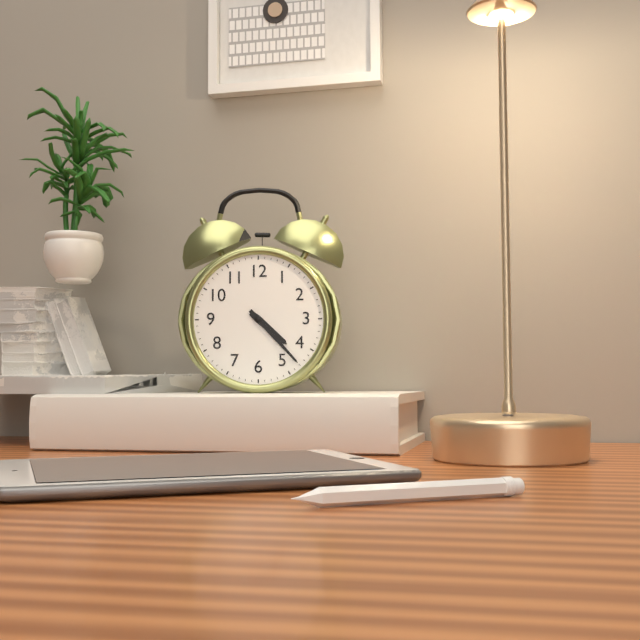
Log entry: 4 h 23 min
